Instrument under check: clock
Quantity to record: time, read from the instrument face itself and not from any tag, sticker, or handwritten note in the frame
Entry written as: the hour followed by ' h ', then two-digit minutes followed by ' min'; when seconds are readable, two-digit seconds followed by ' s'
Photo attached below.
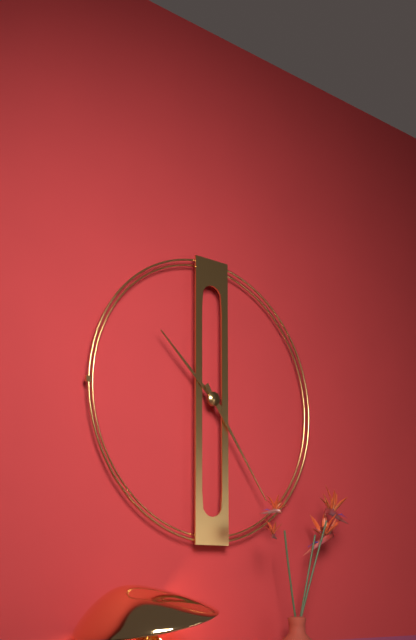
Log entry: 10 h 24 min
